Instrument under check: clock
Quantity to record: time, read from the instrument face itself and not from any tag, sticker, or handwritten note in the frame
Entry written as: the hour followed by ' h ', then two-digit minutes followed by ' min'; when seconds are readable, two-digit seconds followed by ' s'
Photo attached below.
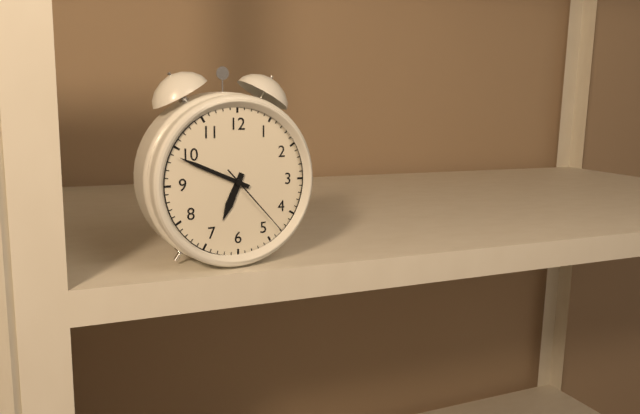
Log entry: 6 h 49 min 23 s
